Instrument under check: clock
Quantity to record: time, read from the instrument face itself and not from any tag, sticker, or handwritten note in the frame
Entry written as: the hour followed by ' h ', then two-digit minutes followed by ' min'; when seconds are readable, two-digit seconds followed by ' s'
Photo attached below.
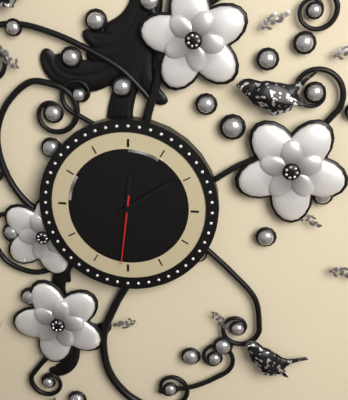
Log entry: 12 h 09 min 31 s
